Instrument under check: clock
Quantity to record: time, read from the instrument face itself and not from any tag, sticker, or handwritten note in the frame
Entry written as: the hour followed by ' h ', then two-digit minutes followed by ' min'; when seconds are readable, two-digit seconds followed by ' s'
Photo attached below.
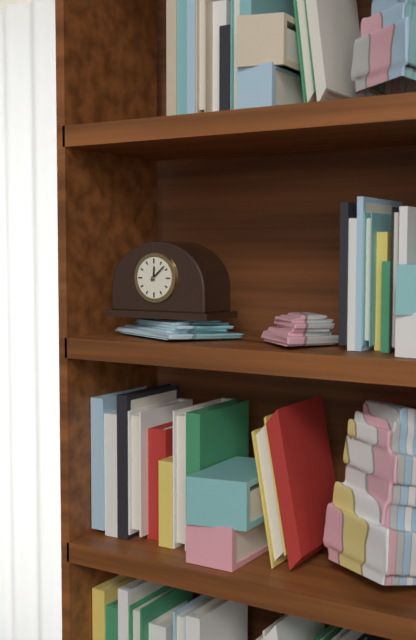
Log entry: 12 h 08 min
